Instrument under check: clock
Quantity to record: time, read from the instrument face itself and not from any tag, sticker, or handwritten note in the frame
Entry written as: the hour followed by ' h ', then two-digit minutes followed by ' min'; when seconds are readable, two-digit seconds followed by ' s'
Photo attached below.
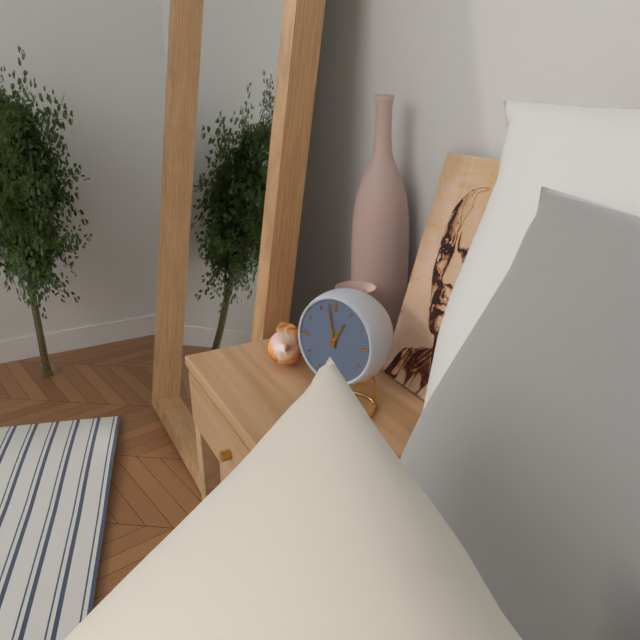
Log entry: 12 h 58 min
